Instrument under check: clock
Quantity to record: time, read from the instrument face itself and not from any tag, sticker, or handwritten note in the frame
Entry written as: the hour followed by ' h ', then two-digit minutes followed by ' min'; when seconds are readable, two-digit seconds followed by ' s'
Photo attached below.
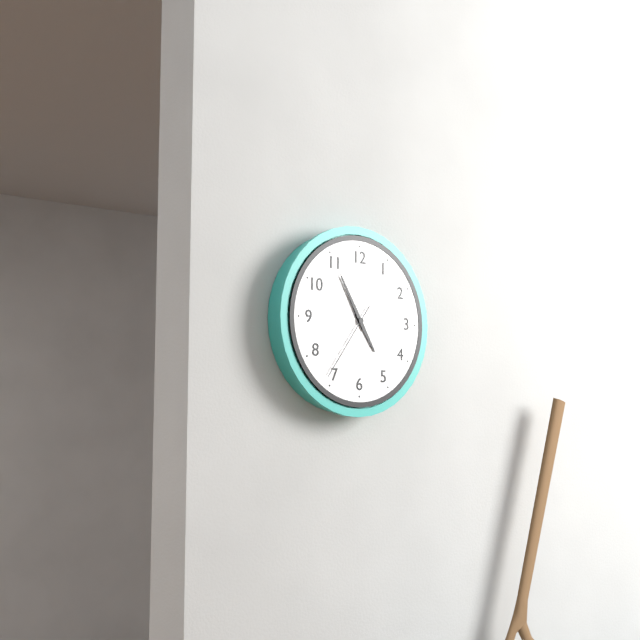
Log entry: 4 h 55 min 36 s
